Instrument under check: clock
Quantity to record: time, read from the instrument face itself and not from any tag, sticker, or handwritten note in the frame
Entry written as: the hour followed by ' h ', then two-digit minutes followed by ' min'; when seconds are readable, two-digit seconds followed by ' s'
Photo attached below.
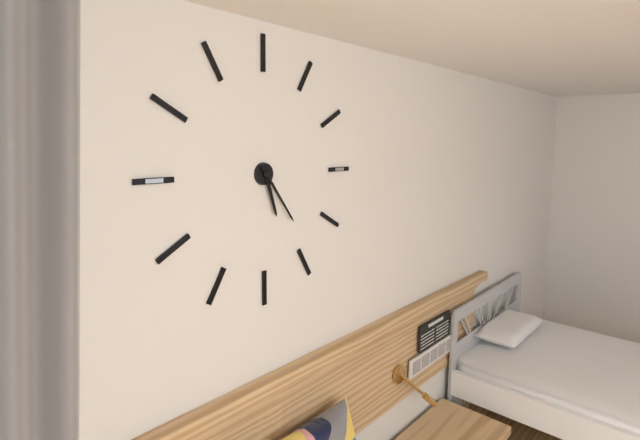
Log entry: 5 h 24 min
